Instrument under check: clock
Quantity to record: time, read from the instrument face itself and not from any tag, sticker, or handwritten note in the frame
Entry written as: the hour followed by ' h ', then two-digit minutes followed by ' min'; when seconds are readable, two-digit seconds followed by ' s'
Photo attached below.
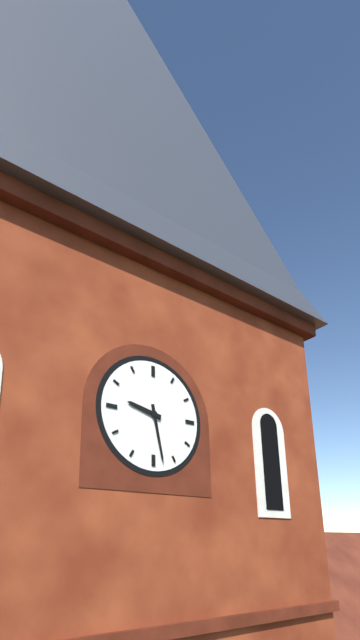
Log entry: 9 h 28 min
